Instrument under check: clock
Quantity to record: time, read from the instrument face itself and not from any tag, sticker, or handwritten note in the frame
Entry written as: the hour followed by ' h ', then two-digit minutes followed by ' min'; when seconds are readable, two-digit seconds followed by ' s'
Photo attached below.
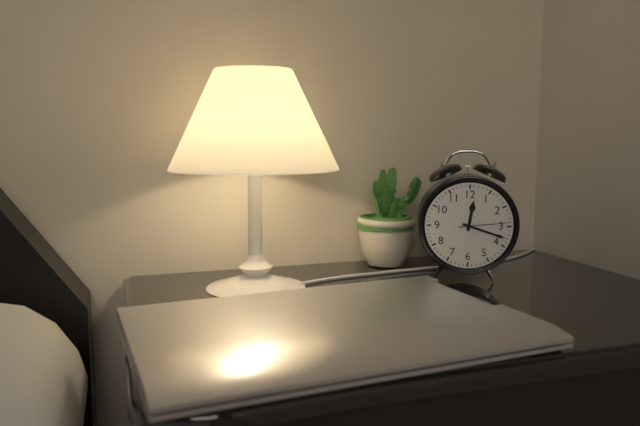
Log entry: 12 h 18 min 14 s
